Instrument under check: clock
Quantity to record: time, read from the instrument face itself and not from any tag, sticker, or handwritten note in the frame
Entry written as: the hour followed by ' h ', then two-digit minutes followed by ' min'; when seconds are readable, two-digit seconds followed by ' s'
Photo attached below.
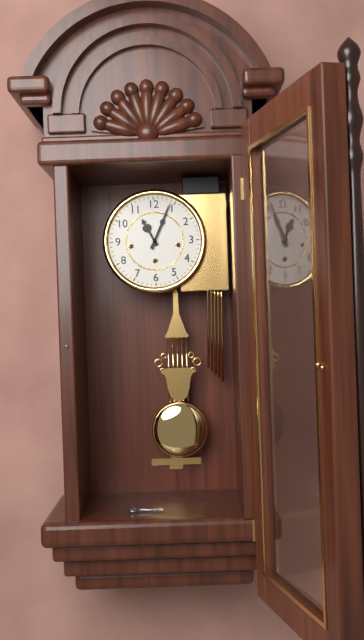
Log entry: 11 h 04 min
